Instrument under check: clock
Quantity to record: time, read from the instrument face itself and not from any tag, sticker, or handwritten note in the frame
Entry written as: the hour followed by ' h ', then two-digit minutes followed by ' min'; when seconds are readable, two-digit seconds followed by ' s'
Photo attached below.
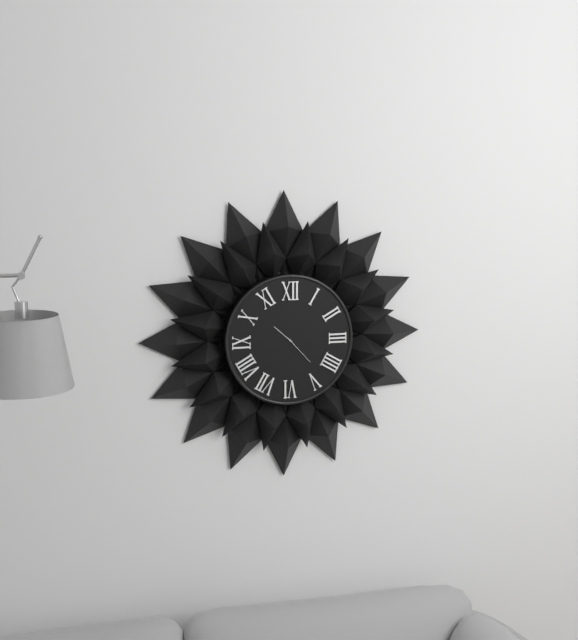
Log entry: 10 h 23 min
